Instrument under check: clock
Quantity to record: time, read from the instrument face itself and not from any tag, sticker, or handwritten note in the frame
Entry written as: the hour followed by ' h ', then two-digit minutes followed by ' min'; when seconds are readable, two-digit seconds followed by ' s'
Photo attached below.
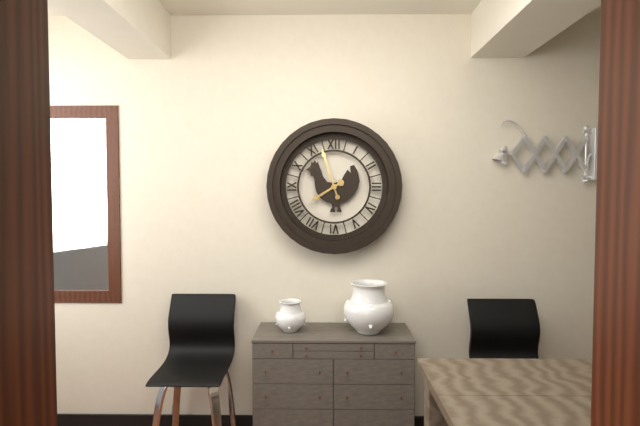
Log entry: 7 h 57 min
